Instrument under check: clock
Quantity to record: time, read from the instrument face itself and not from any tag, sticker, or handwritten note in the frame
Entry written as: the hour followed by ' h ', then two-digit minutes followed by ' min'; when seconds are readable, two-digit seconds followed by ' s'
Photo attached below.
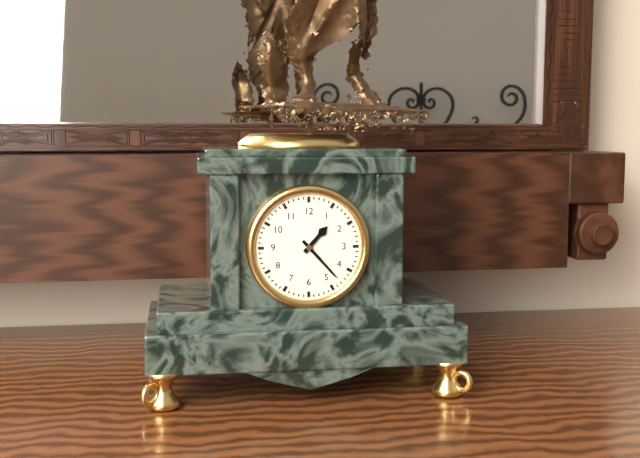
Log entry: 1 h 23 min
